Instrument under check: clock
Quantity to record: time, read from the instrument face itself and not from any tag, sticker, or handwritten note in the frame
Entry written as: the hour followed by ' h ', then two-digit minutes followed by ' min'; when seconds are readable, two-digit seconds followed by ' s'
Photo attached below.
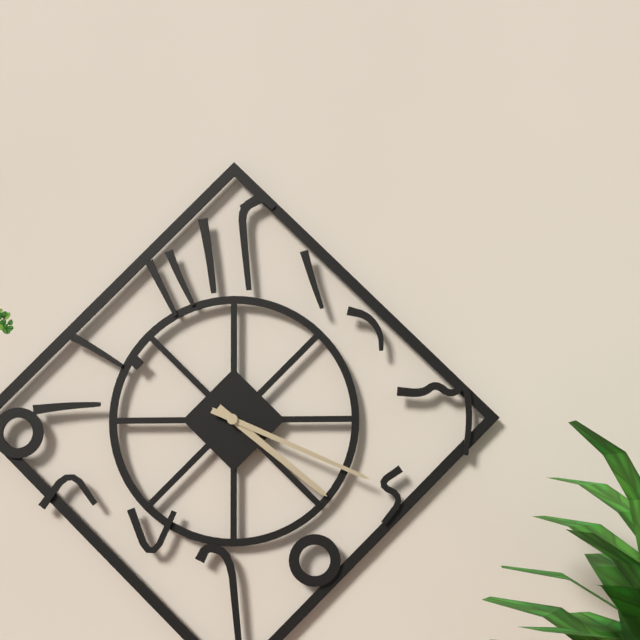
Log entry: 4 h 19 min
